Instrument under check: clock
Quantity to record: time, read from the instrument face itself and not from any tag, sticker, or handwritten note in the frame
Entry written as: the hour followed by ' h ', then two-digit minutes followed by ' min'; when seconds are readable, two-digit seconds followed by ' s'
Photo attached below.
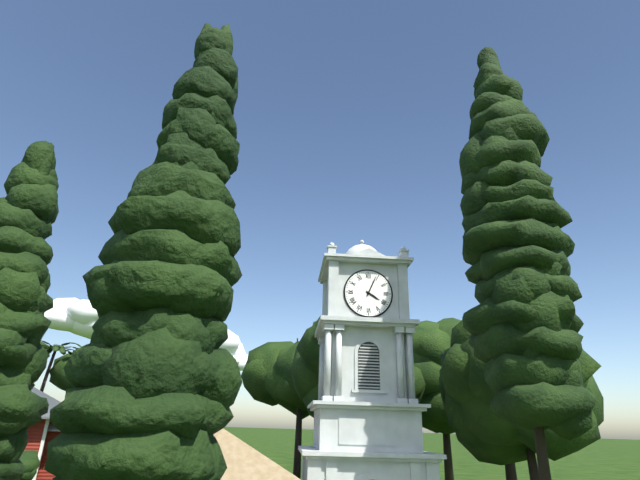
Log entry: 4 h 04 min
